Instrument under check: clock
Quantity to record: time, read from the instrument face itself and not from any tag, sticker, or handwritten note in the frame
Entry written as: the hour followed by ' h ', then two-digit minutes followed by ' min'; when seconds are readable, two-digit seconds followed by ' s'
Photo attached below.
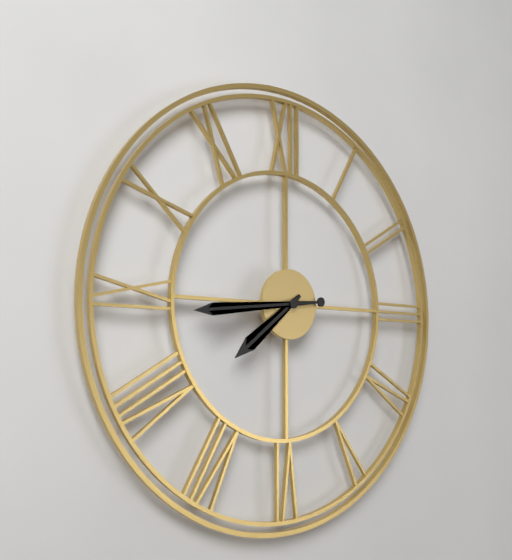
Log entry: 7 h 44 min
